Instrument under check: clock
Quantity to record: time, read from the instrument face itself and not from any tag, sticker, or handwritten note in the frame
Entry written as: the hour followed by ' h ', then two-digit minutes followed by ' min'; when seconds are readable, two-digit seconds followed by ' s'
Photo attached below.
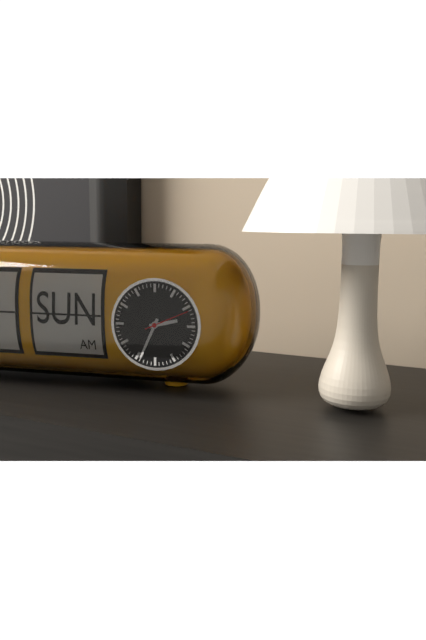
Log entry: 2 h 34 min
